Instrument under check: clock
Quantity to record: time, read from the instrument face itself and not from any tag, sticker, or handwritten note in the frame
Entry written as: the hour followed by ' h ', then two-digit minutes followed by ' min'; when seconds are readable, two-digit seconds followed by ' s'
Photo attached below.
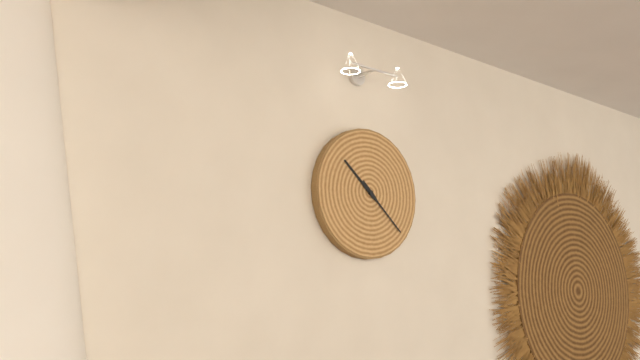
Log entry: 10 h 22 min
